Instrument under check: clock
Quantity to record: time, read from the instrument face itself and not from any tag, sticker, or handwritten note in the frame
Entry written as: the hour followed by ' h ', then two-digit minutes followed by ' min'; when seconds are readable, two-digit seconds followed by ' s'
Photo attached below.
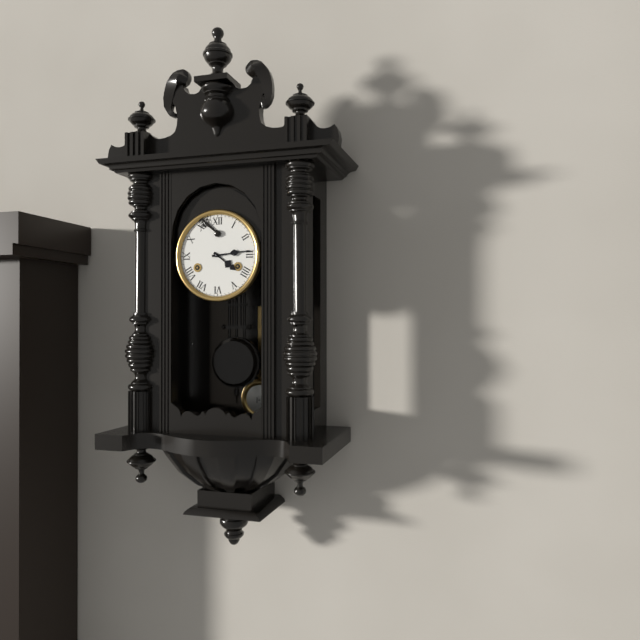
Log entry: 4 h 14 min
